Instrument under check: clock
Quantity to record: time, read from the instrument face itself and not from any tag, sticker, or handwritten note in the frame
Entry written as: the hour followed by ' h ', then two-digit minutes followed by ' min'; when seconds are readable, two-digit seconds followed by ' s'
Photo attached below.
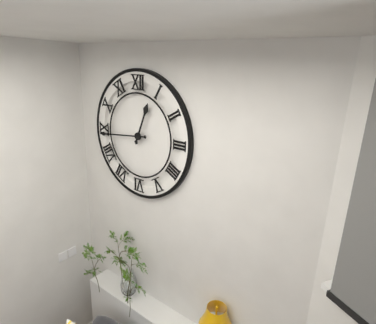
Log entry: 12 h 44 min
